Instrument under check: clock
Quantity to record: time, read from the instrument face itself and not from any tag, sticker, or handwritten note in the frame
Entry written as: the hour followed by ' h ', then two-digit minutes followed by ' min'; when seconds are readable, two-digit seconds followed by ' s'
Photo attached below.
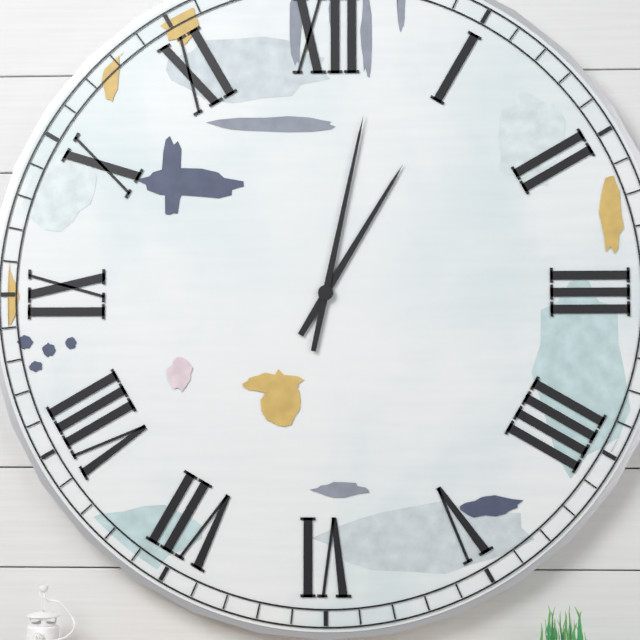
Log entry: 1 h 02 min
